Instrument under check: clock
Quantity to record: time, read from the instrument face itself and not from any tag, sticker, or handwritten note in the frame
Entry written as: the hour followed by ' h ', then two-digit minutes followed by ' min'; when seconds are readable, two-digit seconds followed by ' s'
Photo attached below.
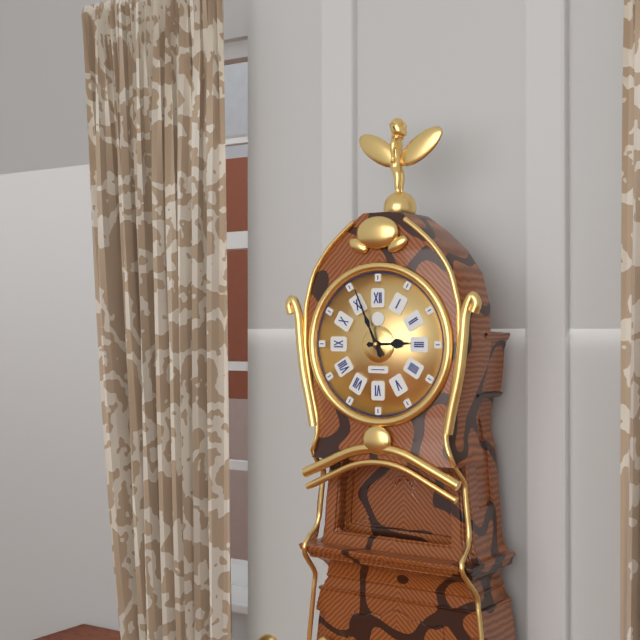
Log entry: 2 h 56 min
